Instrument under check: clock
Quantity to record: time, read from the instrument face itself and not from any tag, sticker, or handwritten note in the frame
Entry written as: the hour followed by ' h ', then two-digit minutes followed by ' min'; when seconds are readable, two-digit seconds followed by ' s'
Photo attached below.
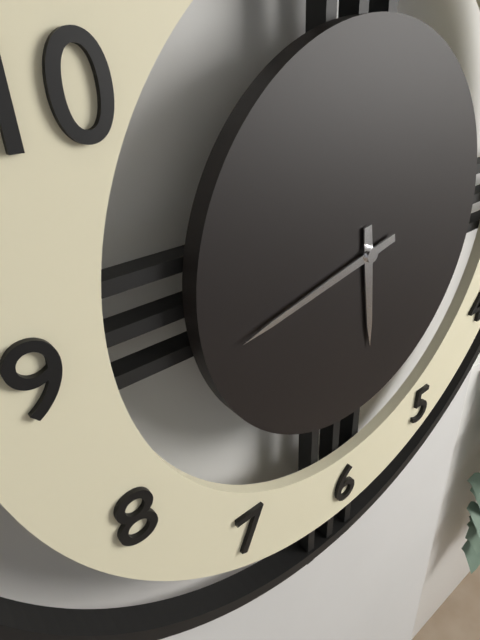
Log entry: 5 h 43 min
